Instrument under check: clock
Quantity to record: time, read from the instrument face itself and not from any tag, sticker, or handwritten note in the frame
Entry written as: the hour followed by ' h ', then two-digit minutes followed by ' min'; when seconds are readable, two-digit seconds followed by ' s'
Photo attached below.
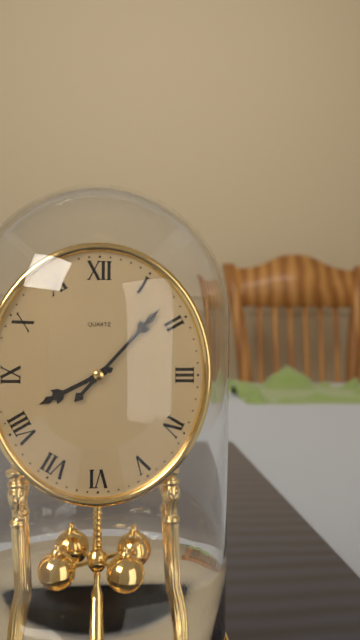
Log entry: 8 h 07 min
